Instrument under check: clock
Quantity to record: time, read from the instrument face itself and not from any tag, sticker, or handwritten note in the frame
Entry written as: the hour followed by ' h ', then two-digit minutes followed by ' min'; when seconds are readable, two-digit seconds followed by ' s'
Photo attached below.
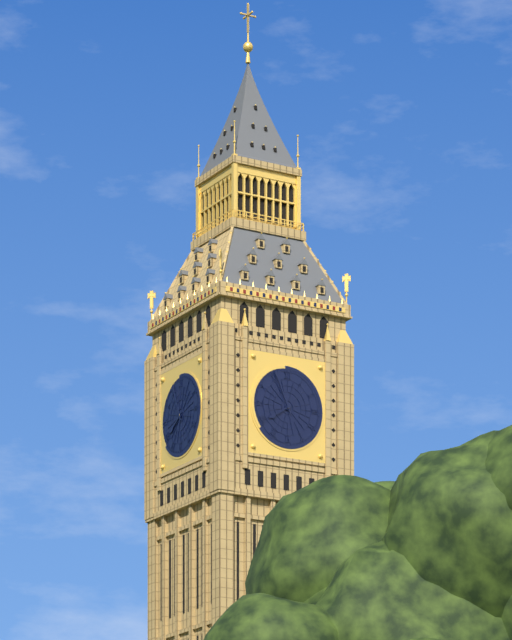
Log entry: 7 h 56 min
